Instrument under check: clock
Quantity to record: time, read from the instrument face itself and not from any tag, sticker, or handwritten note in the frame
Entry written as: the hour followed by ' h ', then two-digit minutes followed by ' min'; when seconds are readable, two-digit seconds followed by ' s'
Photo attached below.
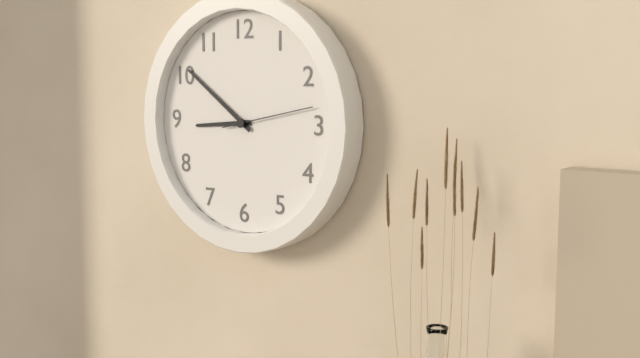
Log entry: 8 h 51 min 13 s
